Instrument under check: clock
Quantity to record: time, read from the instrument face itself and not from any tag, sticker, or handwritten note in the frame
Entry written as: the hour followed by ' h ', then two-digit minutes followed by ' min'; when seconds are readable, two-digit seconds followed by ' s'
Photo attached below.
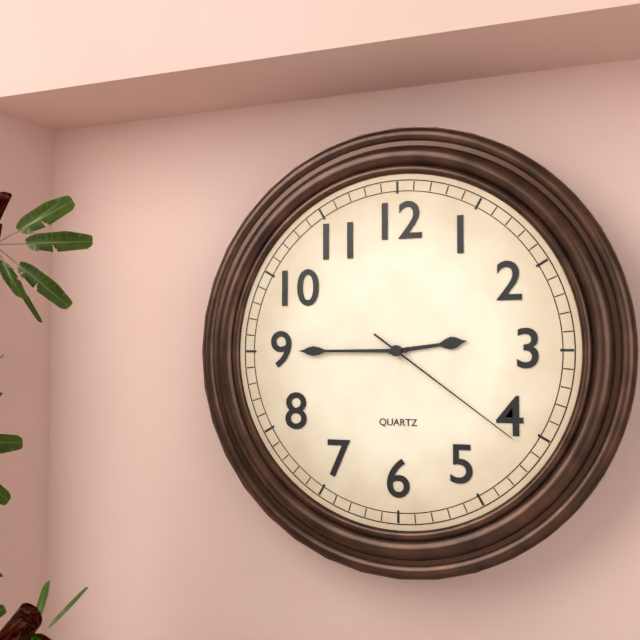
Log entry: 2 h 45 min 21 s
